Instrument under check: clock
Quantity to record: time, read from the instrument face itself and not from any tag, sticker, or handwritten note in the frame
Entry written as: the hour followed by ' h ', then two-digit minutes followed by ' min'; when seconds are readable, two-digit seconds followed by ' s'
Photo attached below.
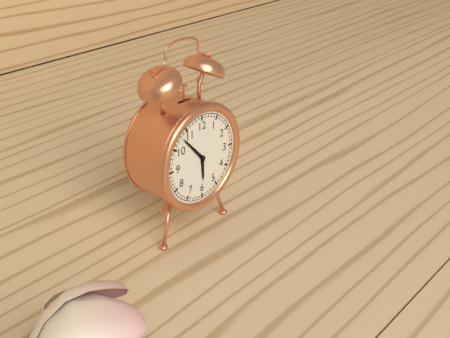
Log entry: 5 h 53 min
